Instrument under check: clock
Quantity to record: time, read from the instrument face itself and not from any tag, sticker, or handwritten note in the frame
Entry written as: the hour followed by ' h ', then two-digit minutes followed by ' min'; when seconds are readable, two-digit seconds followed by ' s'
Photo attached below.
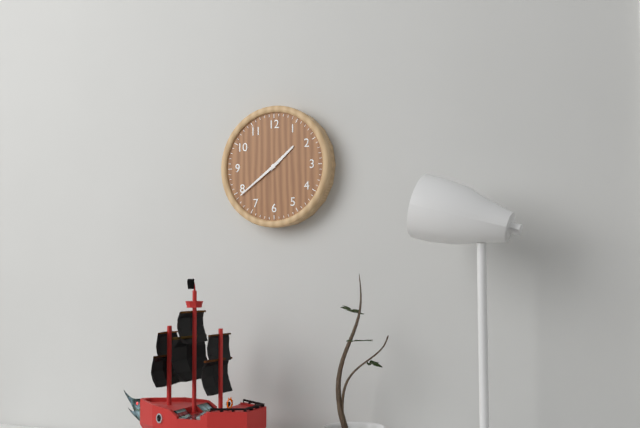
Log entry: 1 h 39 min
